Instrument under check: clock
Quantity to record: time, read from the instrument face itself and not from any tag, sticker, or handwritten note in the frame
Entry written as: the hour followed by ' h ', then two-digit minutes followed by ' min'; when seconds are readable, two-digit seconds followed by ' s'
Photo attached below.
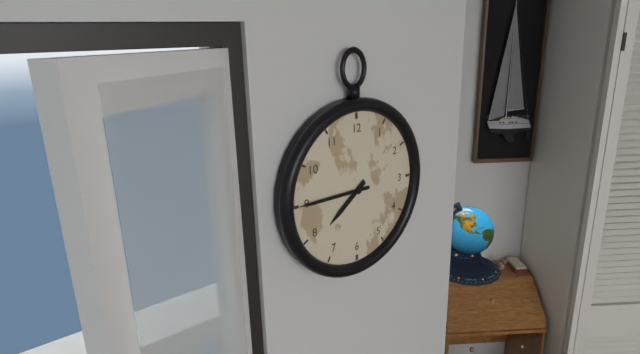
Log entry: 7 h 45 min
